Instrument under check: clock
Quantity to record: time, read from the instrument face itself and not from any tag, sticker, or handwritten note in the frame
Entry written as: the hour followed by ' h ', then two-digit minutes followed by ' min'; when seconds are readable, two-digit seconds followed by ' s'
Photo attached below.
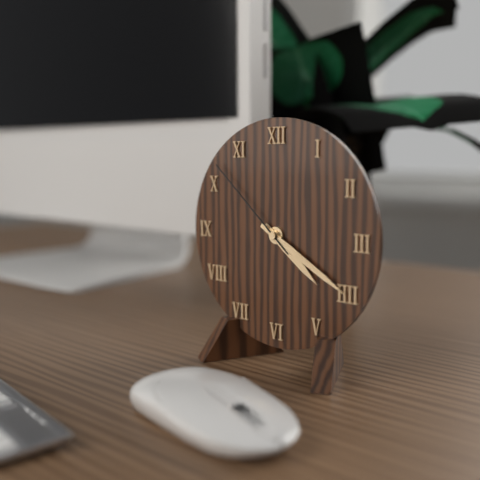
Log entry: 4 h 20 min 52 s
